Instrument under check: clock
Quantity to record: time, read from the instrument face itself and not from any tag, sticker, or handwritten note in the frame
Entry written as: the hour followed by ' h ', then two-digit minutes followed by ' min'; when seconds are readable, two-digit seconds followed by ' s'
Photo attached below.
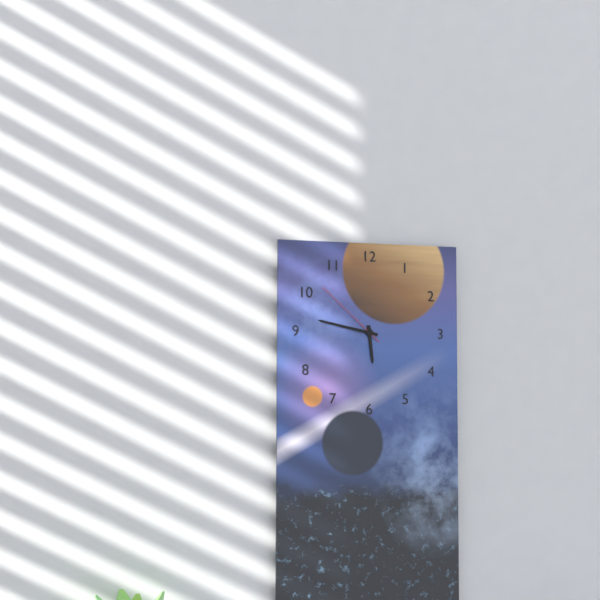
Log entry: 5 h 47 min 52 s
